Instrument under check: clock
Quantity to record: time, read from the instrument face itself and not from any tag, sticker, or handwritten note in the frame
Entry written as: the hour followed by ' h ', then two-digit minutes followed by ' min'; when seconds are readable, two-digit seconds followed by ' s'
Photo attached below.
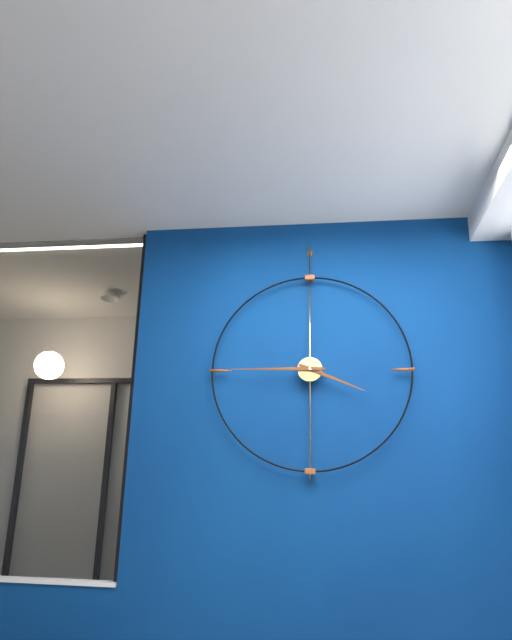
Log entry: 3 h 45 min
